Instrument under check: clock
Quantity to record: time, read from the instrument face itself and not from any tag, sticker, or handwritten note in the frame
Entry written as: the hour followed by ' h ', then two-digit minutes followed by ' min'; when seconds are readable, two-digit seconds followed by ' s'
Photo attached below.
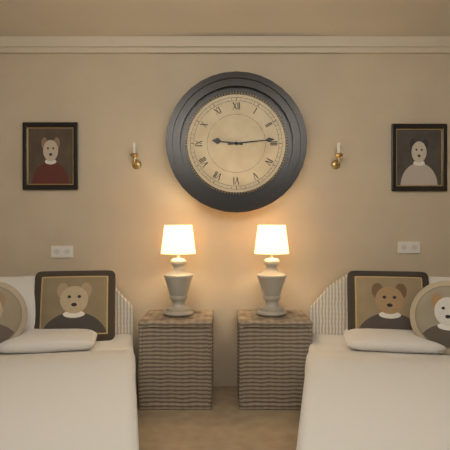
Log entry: 9 h 14 min
